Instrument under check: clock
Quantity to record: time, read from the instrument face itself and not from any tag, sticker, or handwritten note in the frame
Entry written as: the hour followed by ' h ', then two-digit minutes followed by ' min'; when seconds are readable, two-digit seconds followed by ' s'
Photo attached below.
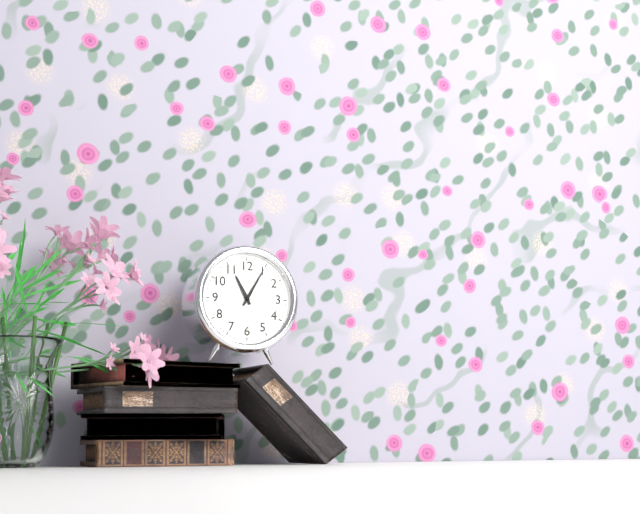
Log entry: 11 h 05 min
